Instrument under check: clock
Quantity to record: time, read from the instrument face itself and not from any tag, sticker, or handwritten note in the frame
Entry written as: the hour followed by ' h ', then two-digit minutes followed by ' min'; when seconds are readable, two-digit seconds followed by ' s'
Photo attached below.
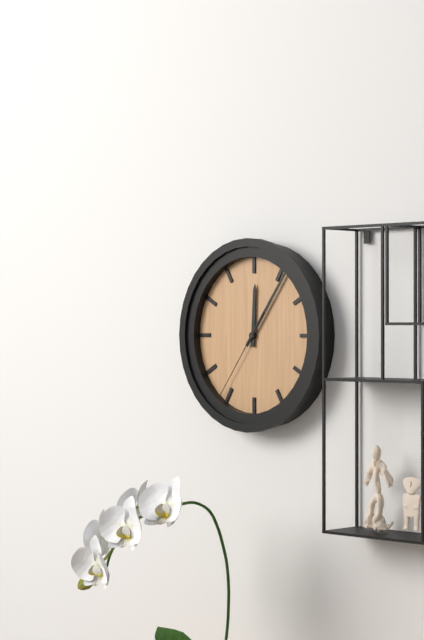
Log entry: 12 h 06 min 36 s
